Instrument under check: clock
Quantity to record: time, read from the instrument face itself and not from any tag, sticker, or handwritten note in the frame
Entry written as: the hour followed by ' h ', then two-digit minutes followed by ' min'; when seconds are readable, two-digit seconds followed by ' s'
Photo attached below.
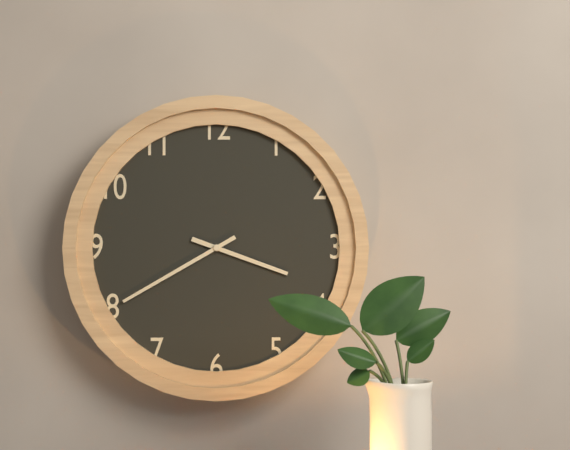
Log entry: 3 h 40 min
